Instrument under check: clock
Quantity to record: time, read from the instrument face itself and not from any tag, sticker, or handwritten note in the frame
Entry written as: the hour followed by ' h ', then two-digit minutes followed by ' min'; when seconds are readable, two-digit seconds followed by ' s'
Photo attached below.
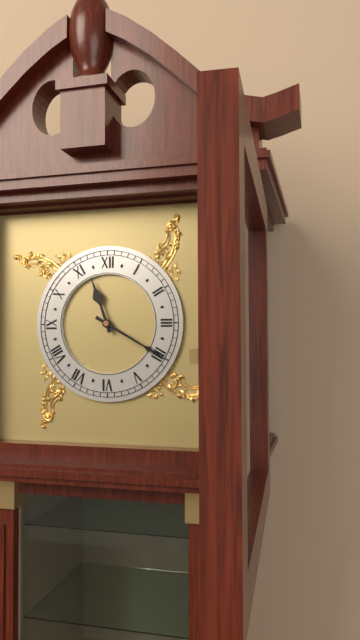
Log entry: 11 h 20 min
